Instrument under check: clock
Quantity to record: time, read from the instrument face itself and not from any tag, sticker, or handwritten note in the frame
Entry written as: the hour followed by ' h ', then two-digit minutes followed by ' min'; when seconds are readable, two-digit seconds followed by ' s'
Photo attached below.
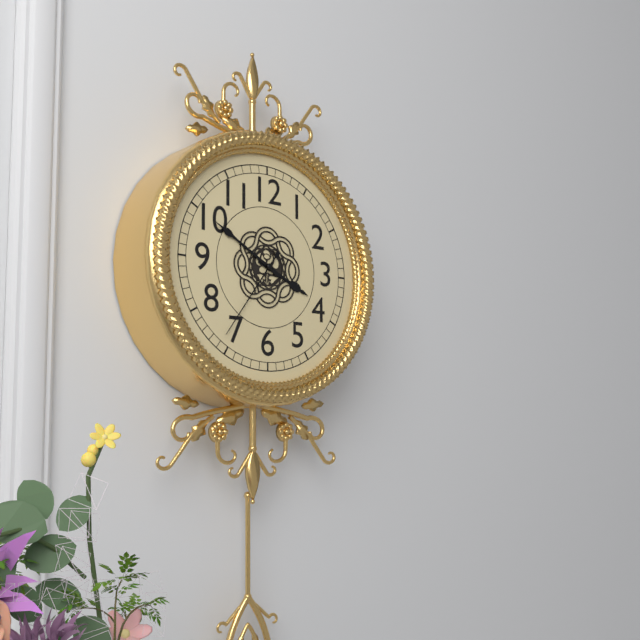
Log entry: 3 h 50 min 36 s
